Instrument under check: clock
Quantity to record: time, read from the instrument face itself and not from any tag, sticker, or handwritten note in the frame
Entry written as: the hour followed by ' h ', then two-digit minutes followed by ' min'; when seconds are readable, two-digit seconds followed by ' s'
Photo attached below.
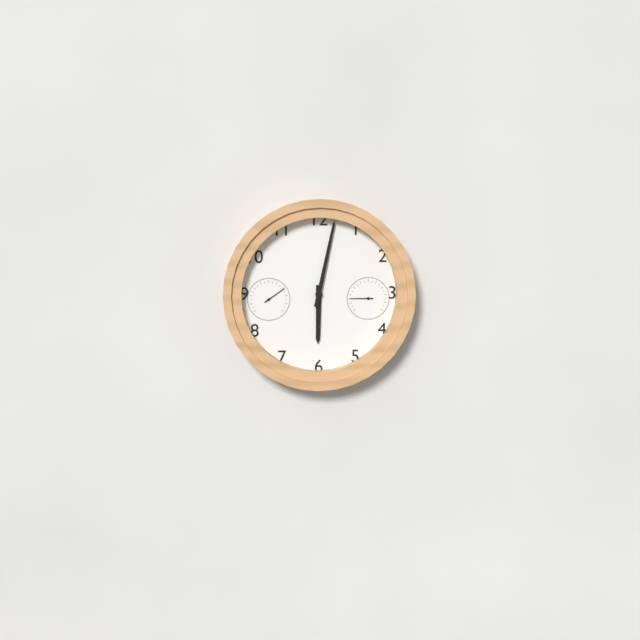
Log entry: 6 h 02 min
